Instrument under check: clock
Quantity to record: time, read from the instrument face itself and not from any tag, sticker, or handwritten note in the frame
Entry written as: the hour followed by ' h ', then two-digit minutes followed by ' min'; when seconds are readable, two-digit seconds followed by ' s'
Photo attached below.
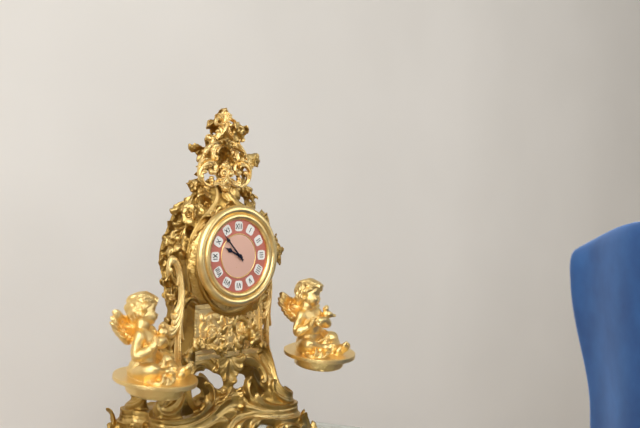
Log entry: 9 h 53 min
